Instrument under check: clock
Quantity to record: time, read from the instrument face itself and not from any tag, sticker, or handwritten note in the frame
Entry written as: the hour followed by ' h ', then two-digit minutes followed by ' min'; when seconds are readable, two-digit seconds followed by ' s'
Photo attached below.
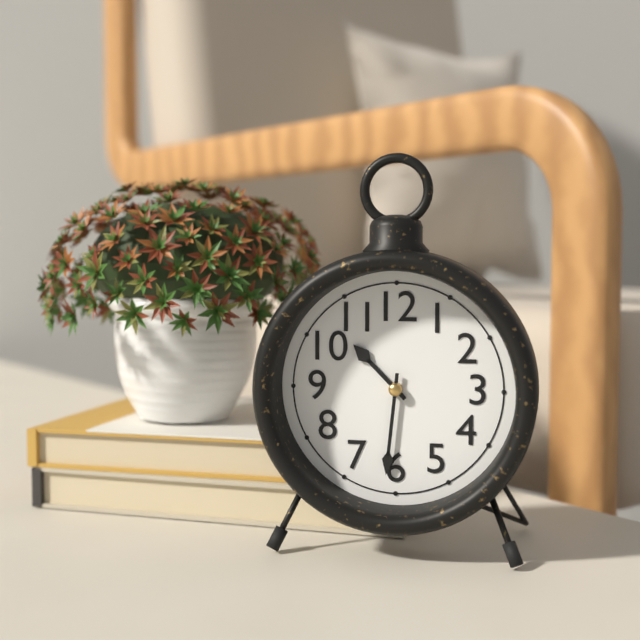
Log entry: 10 h 31 min
